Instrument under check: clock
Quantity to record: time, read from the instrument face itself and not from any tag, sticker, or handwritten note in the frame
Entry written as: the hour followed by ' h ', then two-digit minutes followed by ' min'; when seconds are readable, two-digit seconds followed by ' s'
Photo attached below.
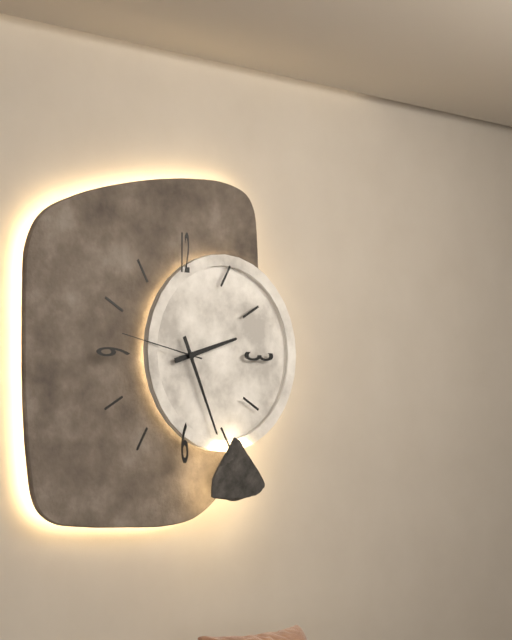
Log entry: 2 h 26 min 47 s
